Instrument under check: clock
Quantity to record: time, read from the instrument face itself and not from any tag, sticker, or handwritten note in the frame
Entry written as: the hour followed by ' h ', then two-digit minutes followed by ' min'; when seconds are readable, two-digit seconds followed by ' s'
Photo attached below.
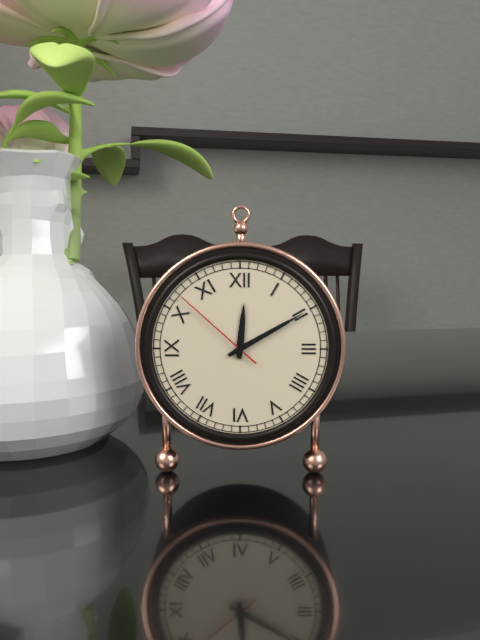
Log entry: 12 h 10 min 52 s
